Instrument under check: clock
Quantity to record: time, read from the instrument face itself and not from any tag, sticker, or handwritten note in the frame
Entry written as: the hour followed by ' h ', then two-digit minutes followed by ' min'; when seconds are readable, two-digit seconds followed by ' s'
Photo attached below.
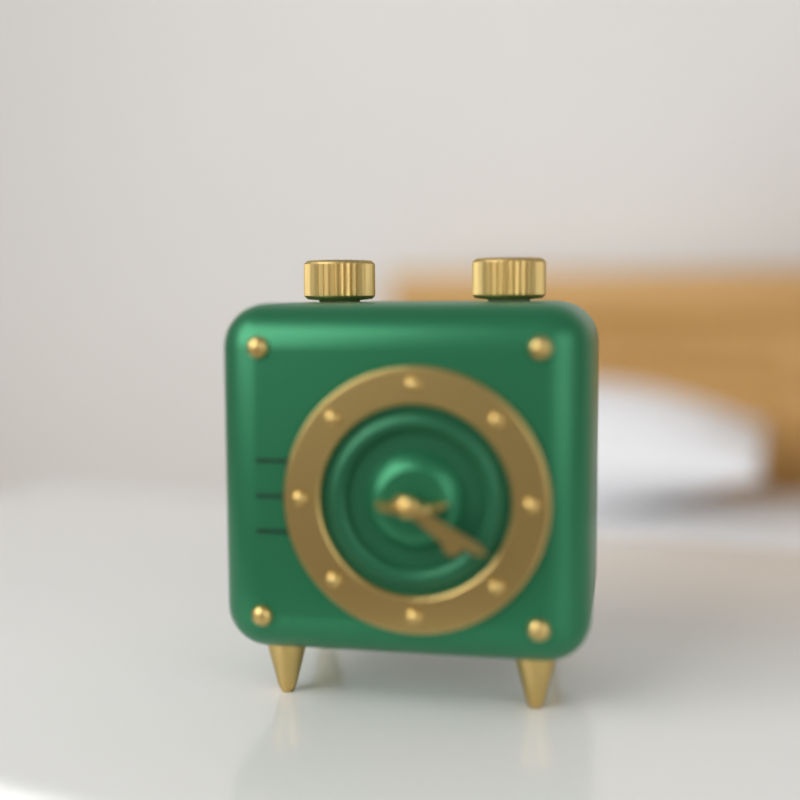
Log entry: 4 h 20 min
